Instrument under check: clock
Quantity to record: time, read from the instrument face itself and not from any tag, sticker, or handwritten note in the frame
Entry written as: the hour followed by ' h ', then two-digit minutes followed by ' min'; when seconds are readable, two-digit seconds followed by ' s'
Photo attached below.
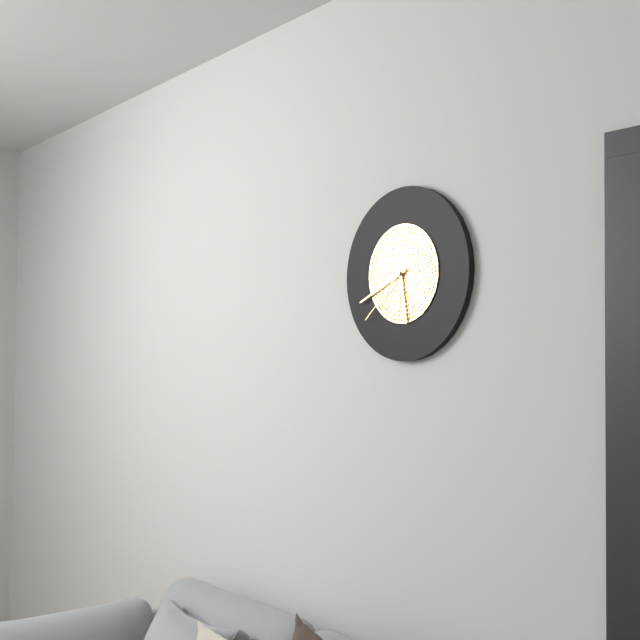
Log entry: 5 h 41 min 38 s
